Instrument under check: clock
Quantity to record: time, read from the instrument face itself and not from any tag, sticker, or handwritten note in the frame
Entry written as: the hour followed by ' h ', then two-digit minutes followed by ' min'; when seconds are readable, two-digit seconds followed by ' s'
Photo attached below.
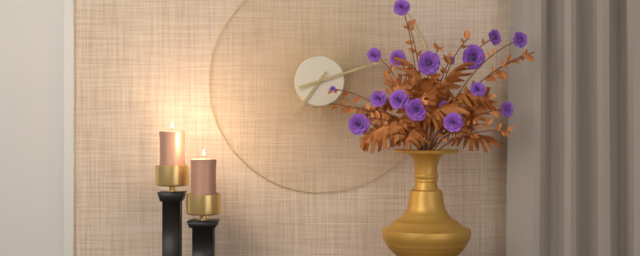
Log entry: 7 h 12 min
